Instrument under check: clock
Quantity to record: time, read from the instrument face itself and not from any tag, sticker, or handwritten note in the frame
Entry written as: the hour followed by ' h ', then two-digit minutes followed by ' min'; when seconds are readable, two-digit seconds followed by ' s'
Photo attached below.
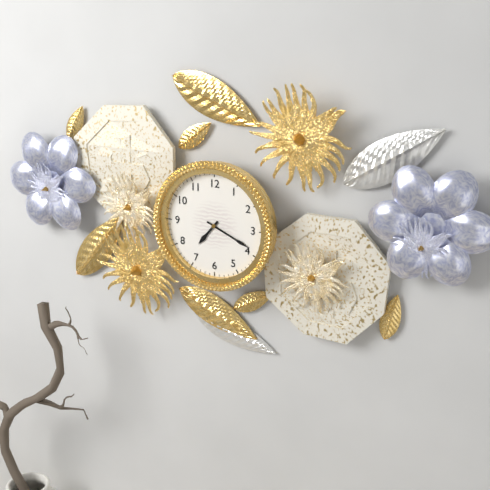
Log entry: 7 h 19 min
